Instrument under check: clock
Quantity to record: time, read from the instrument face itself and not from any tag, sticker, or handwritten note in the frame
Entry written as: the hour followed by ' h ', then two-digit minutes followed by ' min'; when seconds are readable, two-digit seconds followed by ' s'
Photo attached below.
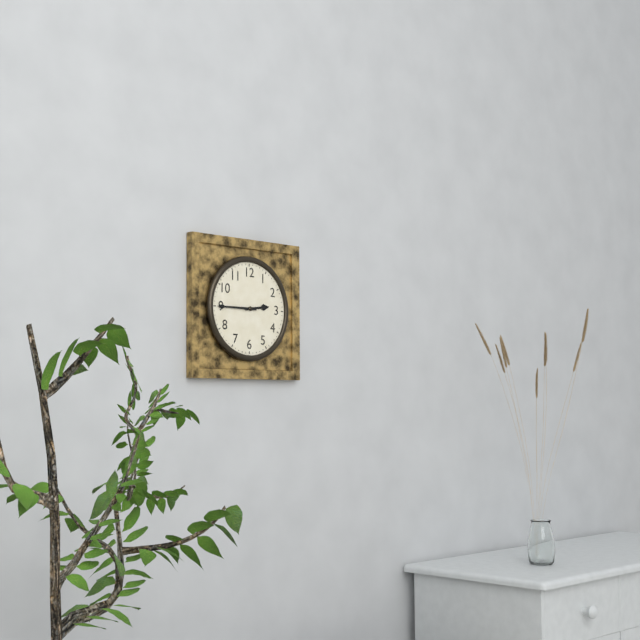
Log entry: 2 h 45 min
